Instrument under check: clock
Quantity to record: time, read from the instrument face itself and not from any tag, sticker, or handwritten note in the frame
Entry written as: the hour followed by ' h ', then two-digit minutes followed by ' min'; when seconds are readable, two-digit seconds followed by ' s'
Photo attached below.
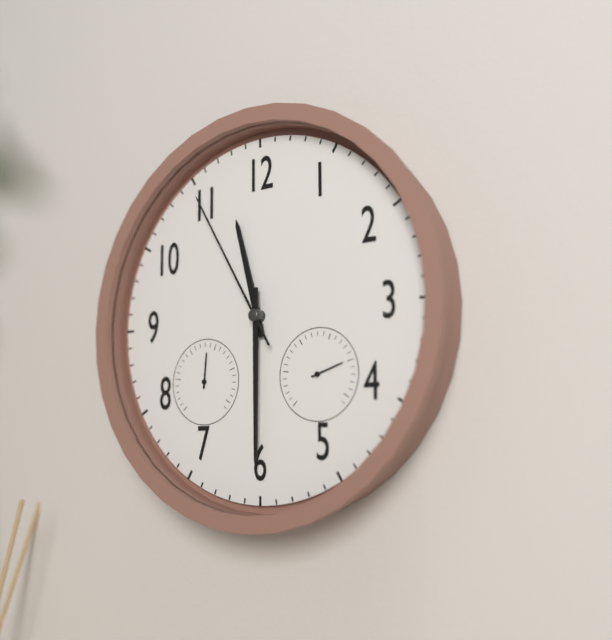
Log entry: 11 h 30 min 55 s
